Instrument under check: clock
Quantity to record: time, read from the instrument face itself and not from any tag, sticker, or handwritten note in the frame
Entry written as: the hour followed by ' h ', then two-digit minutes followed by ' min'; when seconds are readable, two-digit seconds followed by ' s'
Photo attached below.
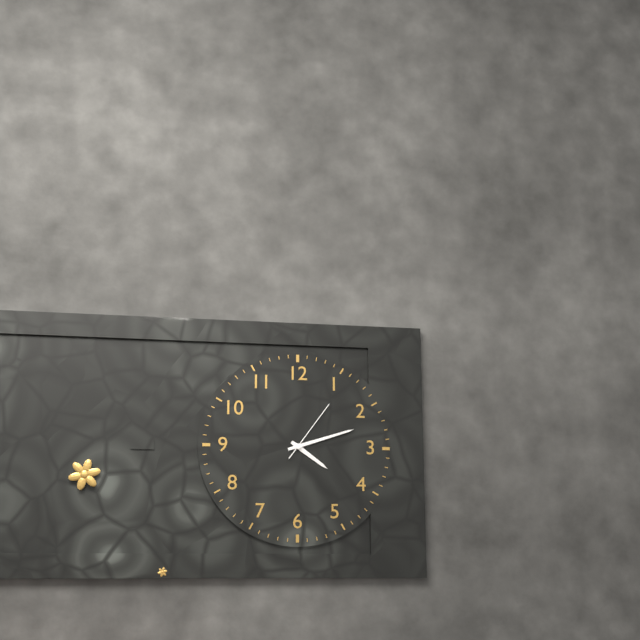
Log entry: 4 h 12 min 06 s
